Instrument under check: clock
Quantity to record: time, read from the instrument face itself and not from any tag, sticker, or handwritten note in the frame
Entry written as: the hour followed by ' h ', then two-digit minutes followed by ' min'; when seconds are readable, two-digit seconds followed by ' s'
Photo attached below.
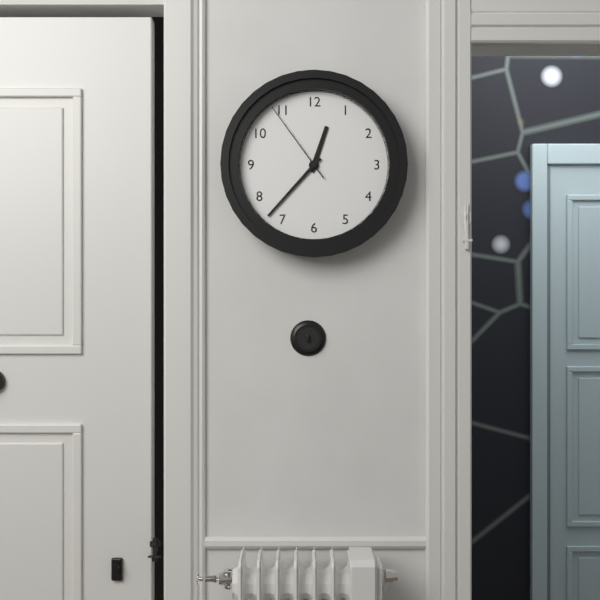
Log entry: 12 h 37 min 54 s
